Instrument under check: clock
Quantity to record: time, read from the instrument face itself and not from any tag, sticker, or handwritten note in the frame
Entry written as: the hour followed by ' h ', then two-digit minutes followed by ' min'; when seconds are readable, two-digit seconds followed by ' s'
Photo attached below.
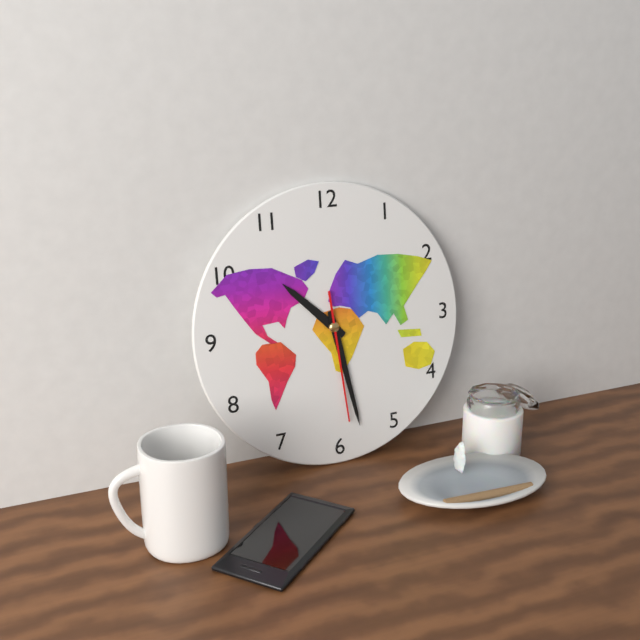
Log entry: 10 h 28 min 29 s
